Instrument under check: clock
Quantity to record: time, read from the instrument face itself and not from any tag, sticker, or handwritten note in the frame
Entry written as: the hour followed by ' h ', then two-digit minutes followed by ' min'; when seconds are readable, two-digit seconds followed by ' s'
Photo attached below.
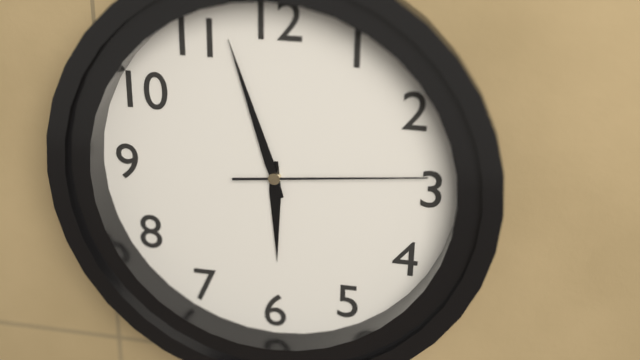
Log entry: 5 h 57 min 14 s
